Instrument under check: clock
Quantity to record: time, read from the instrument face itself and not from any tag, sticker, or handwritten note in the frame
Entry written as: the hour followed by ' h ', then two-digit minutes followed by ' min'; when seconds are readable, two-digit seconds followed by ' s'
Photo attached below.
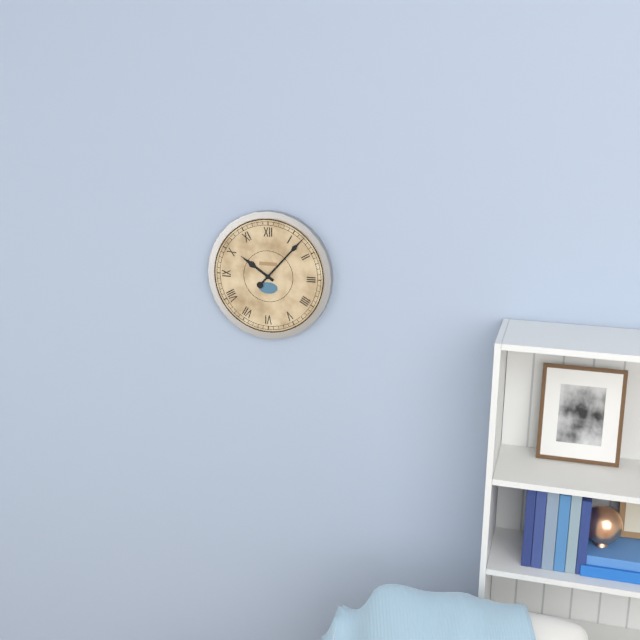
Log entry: 10 h 07 min
